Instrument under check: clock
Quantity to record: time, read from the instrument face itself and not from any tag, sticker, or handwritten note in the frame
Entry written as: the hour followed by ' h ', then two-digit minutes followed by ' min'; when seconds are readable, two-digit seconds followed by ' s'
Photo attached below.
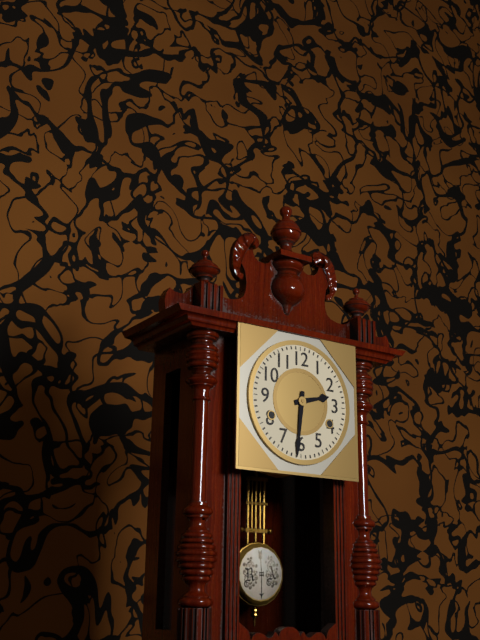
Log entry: 2 h 31 min
